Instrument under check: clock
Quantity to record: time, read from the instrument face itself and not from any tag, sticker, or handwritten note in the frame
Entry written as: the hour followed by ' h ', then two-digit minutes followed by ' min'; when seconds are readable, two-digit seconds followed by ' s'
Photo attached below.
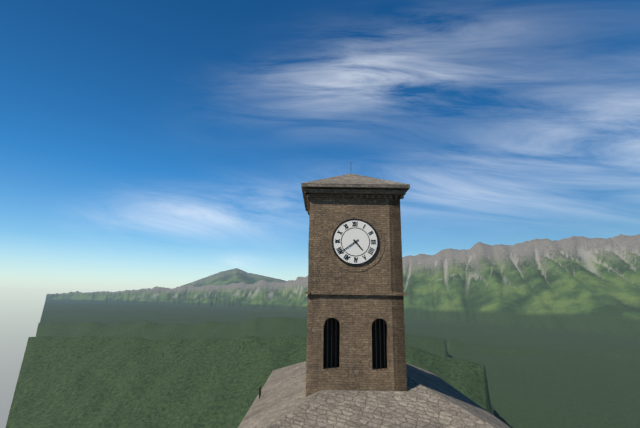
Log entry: 4 h 39 min
